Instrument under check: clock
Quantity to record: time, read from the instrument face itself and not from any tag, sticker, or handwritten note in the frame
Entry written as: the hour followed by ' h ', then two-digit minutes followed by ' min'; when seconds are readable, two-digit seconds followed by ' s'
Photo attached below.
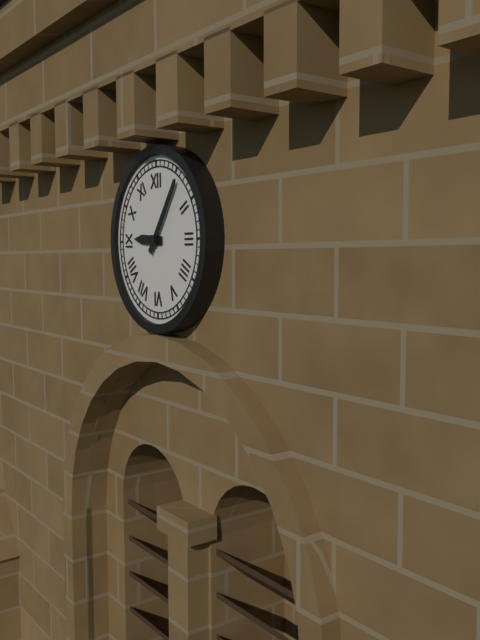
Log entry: 9 h 06 min
